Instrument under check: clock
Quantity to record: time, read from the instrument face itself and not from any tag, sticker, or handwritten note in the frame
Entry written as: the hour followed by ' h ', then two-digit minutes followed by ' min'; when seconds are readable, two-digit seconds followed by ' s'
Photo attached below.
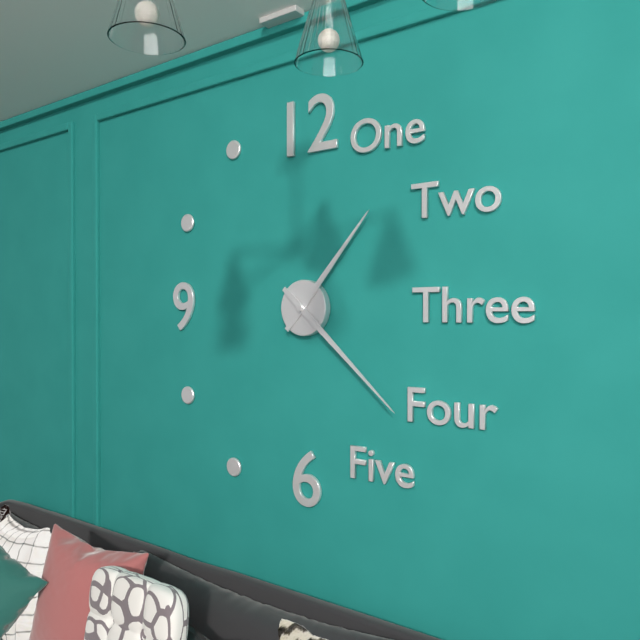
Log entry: 1 h 22 min
